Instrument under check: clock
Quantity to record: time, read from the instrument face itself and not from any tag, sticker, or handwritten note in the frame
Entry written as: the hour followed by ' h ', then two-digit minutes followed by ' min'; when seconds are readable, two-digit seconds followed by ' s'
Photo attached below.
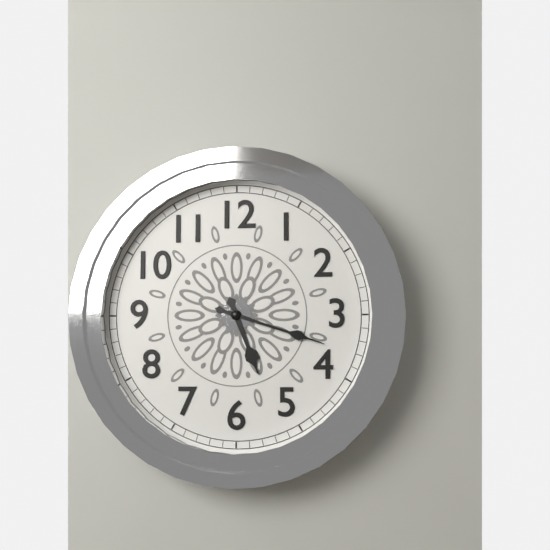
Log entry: 5 h 18 min
